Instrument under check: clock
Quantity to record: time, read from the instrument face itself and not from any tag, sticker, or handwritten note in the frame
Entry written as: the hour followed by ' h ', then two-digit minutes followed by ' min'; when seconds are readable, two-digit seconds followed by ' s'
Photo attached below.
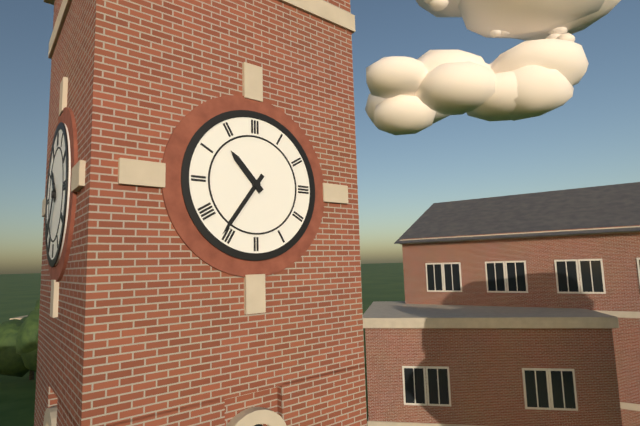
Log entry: 10 h 36 min
